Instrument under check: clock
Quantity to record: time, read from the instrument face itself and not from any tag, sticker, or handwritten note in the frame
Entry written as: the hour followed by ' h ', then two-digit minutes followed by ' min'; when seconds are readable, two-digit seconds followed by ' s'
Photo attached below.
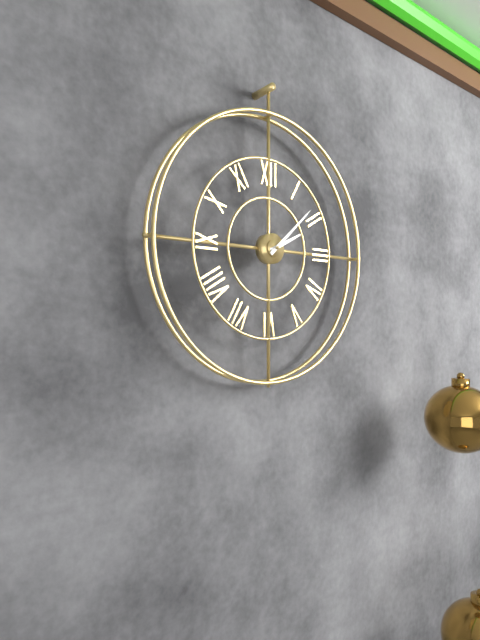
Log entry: 2 h 08 min
